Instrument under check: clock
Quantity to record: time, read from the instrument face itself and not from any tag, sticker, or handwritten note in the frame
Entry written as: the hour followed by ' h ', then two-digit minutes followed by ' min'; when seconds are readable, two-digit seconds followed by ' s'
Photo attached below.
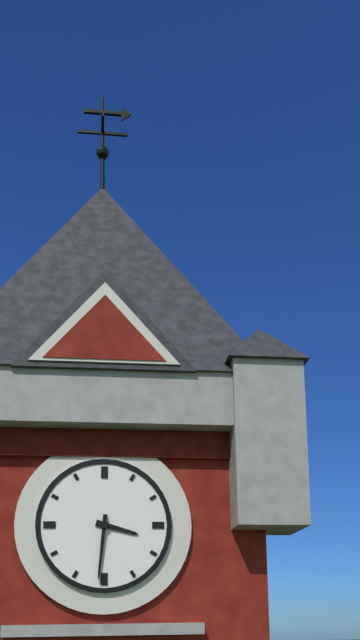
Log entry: 3 h 31 min
